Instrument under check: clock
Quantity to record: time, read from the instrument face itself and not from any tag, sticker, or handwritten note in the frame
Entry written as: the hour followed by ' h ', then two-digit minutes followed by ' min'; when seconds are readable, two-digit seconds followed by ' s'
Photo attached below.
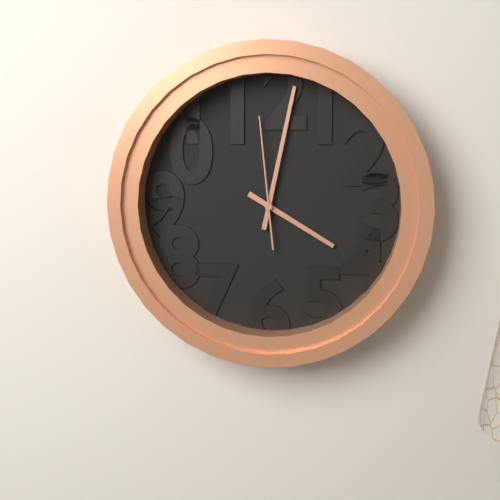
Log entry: 4 h 02 min 59 s
